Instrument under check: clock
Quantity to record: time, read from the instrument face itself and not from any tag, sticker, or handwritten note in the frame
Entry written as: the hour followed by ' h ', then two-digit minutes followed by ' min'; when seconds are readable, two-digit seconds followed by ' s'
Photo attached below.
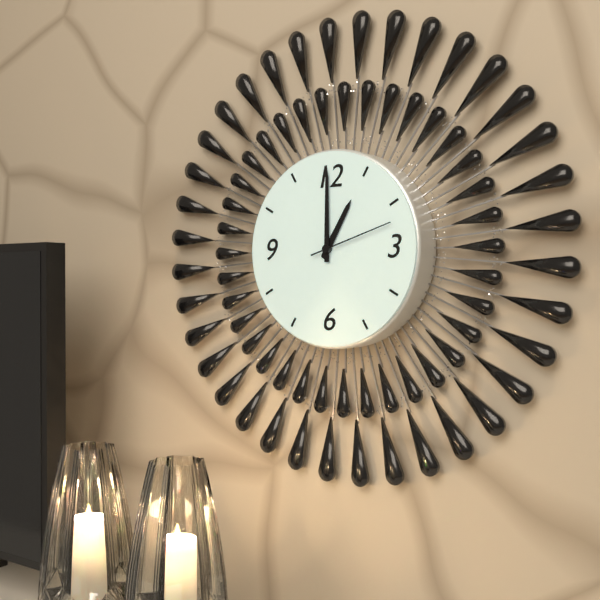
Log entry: 1 h 00 min 12 s
